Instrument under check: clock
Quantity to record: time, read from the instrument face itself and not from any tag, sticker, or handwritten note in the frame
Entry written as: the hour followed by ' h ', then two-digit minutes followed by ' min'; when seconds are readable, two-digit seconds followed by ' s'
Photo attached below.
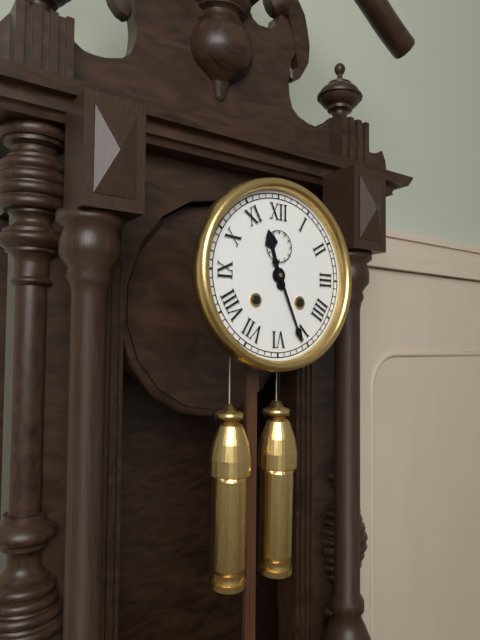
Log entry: 11 h 26 min
